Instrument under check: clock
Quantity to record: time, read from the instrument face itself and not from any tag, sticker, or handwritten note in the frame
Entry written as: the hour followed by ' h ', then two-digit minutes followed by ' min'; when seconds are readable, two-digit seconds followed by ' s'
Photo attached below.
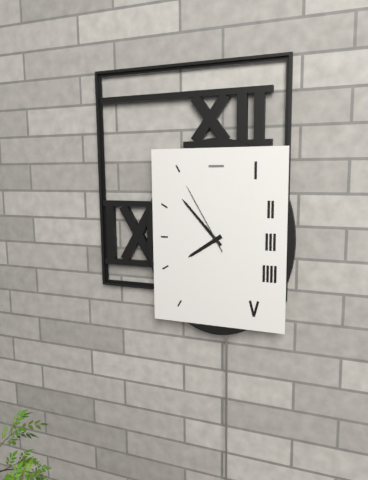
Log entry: 7 h 53 min 55 s
